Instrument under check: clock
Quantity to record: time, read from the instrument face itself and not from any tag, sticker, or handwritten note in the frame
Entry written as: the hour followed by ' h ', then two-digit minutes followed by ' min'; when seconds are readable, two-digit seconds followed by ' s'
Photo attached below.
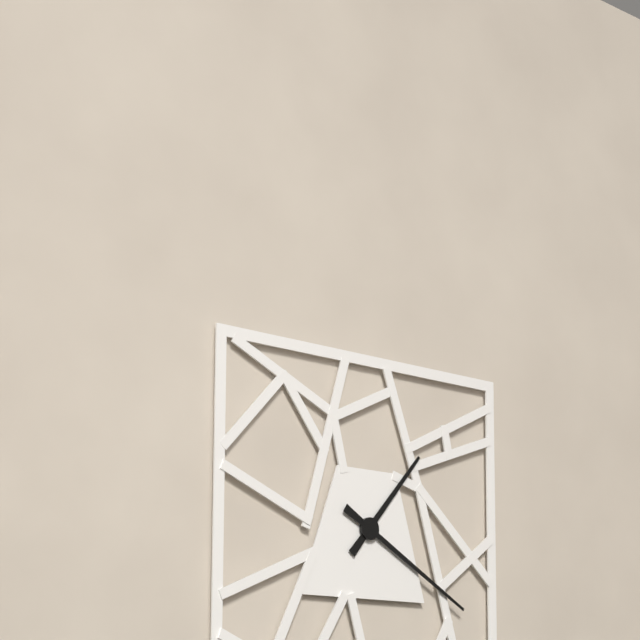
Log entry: 1 h 20 min
